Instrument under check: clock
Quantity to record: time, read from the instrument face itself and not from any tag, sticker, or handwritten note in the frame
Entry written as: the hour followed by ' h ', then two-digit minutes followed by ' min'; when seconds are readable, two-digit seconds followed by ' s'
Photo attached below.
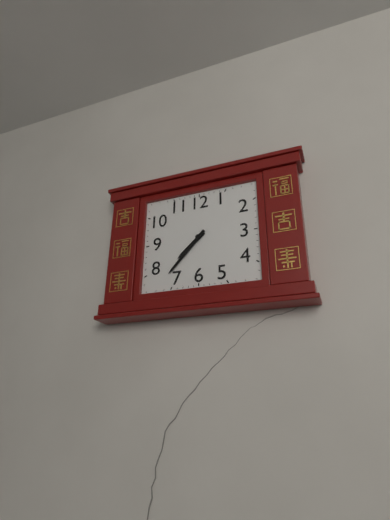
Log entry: 7 h 37 min
